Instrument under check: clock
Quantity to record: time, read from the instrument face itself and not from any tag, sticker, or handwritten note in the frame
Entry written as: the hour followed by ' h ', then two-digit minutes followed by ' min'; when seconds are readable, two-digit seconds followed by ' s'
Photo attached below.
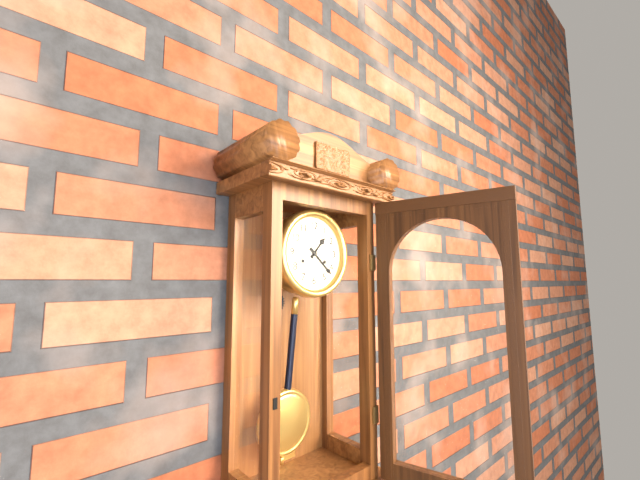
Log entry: 1 h 22 min
